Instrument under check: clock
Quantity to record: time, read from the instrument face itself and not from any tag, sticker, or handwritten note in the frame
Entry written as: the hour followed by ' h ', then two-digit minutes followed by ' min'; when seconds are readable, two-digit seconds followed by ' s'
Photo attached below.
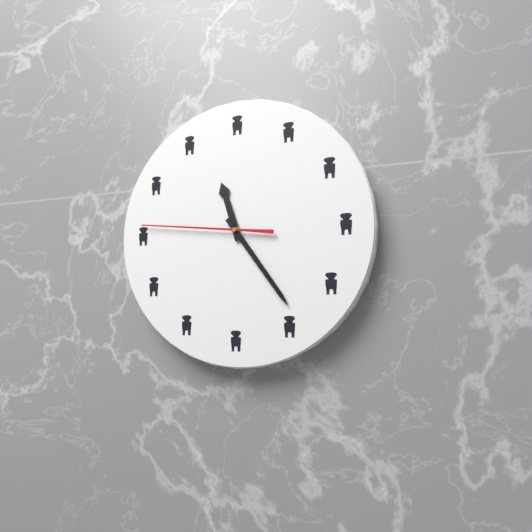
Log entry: 11 h 24 min 46 s
